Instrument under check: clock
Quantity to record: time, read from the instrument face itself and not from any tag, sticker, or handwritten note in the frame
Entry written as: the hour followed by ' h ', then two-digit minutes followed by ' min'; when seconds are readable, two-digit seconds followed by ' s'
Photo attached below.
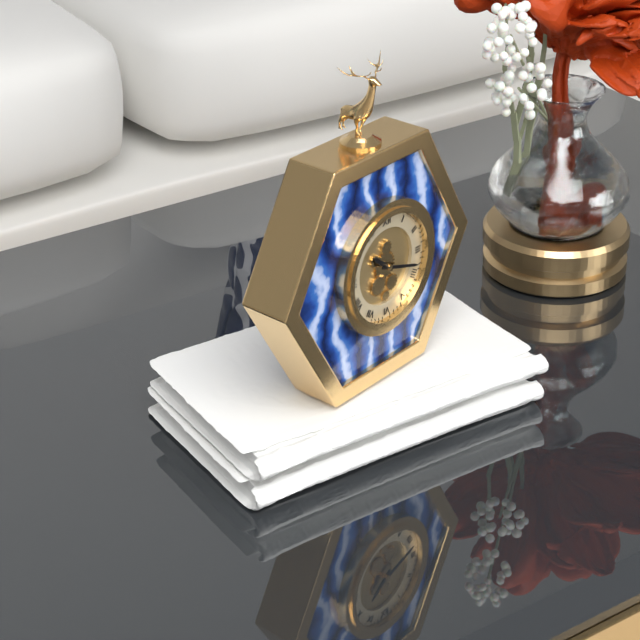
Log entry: 10 h 18 min
